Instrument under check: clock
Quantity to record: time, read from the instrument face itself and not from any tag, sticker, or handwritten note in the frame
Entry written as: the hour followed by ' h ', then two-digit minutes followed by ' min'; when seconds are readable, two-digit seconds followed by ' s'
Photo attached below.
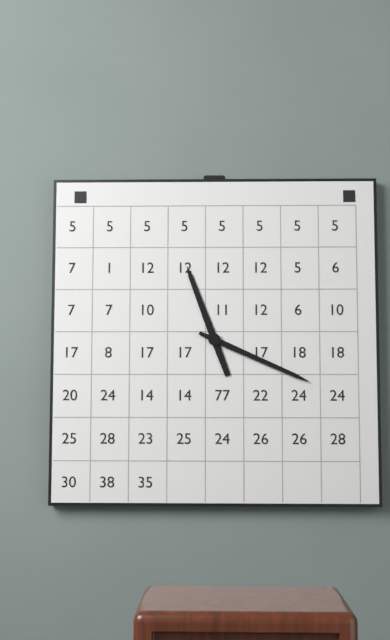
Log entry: 11 h 19 min
